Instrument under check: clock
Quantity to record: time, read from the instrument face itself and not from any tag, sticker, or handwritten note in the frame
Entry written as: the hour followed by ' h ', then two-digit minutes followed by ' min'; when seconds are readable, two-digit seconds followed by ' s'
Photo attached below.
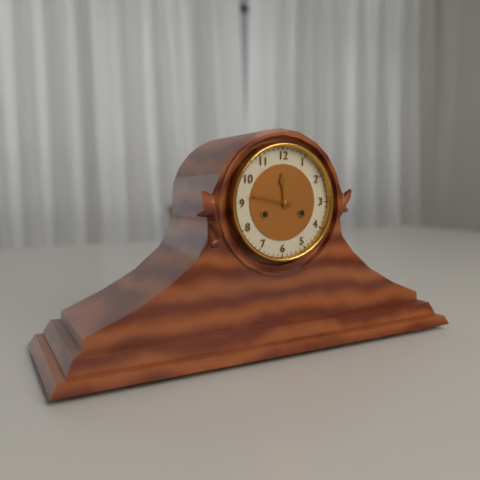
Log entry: 11 h 47 min
